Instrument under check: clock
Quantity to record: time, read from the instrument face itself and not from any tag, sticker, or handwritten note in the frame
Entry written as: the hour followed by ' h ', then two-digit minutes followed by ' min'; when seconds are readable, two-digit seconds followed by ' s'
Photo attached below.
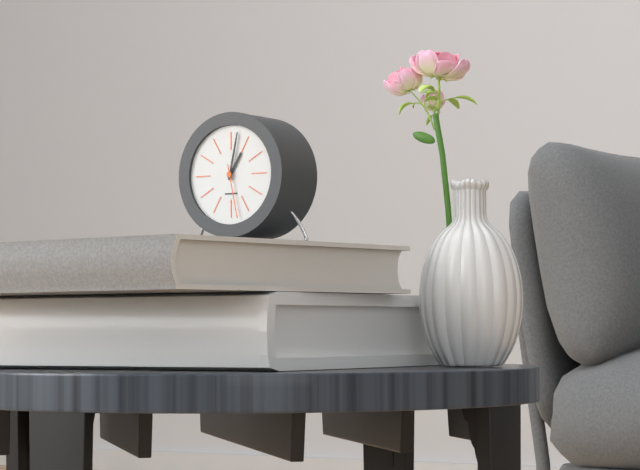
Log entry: 1 h 02 min 28 s
